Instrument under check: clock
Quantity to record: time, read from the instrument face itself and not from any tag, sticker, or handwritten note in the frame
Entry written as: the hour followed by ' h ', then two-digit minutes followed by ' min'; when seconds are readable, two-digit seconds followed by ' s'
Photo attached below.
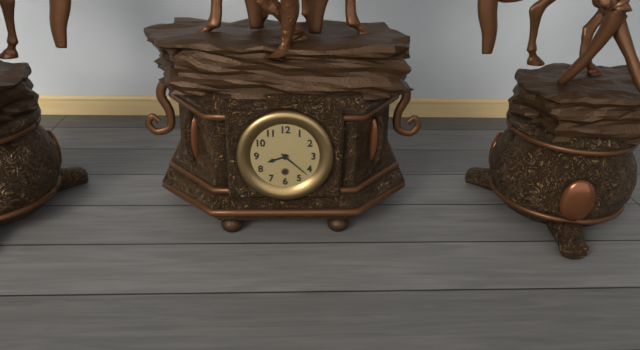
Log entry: 8 h 22 min
